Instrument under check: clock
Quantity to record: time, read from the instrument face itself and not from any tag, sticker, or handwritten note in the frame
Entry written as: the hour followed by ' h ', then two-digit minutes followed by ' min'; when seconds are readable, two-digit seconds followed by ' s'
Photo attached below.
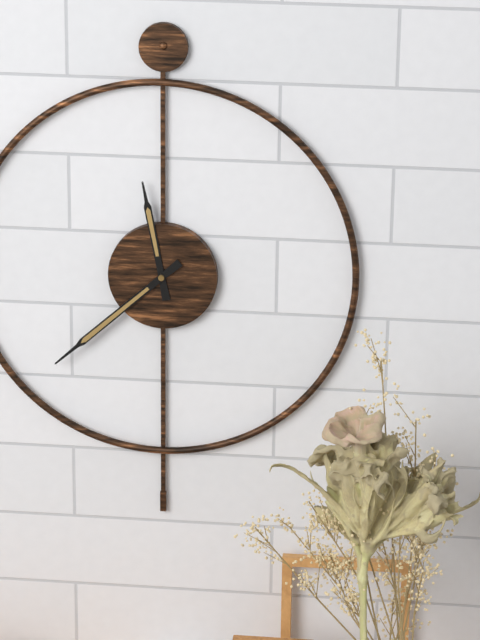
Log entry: 11 h 38 min
